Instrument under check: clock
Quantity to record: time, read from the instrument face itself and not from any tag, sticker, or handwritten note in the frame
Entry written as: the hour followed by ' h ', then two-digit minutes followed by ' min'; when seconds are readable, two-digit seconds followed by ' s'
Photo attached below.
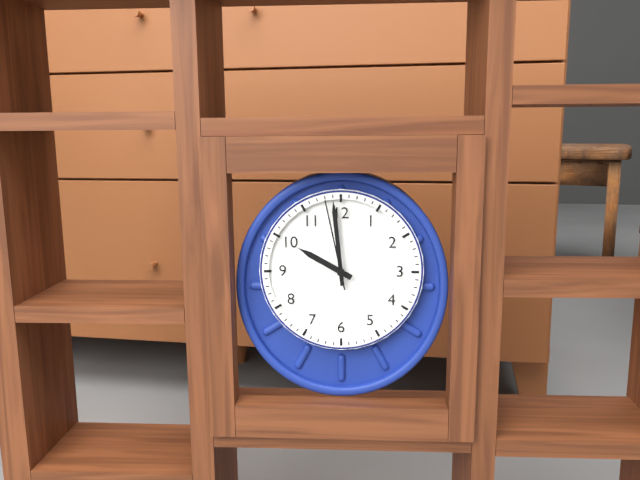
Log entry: 9 h 59 min 58 s
